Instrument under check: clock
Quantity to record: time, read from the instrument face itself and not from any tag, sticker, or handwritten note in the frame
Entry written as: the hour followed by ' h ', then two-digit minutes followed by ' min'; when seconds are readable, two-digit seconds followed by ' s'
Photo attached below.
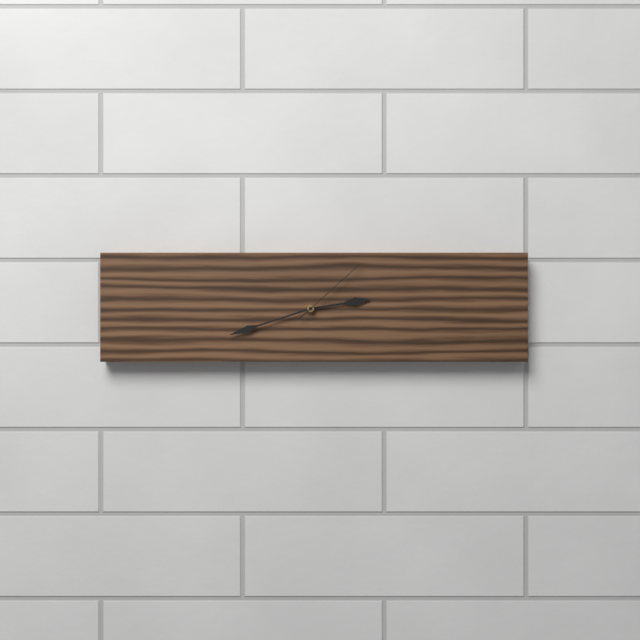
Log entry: 2 h 42 min 08 s
